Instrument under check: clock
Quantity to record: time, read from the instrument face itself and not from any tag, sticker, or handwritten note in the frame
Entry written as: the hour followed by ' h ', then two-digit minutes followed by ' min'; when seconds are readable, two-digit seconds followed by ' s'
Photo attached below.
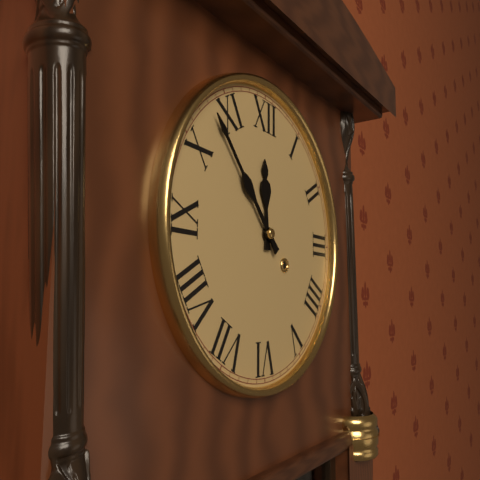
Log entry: 11 h 53 min
